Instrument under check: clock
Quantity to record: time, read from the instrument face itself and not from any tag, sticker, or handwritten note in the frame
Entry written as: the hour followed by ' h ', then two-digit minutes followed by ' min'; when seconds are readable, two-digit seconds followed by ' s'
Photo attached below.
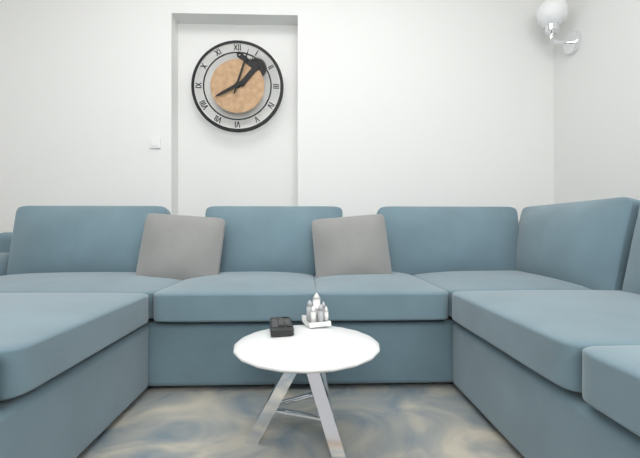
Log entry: 8 h 03 min
